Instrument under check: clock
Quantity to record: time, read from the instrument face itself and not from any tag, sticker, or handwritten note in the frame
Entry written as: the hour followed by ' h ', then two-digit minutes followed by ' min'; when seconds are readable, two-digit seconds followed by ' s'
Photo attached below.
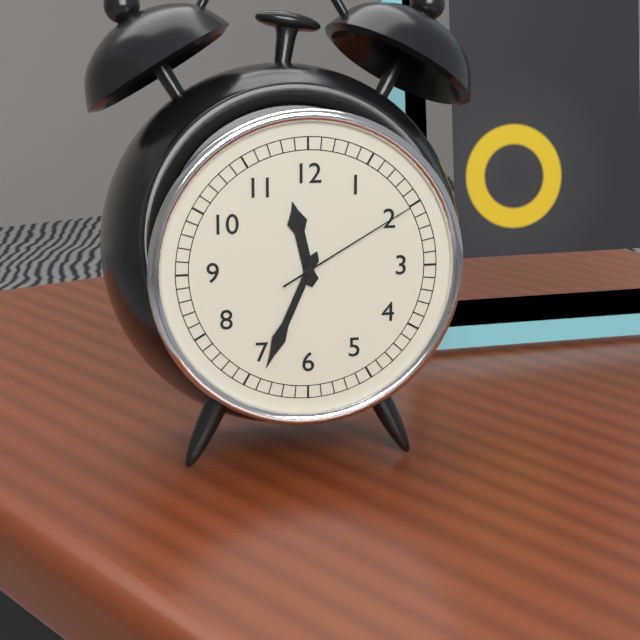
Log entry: 11 h 34 min 10 s
